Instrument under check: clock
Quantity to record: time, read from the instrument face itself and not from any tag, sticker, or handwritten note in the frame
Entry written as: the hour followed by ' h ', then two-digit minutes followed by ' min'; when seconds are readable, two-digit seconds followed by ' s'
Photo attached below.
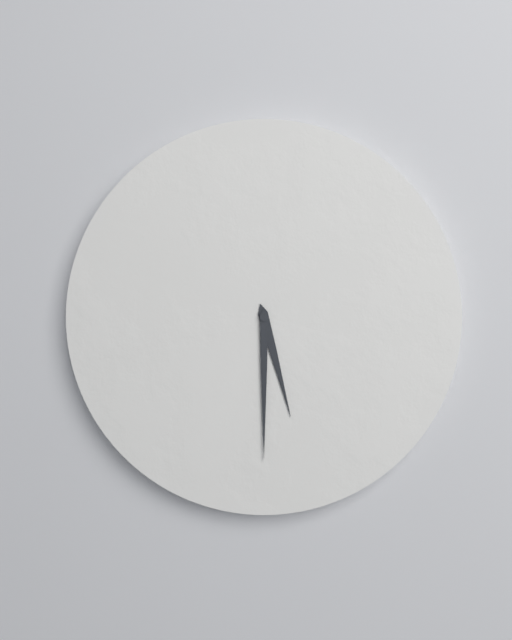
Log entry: 5 h 30 min
